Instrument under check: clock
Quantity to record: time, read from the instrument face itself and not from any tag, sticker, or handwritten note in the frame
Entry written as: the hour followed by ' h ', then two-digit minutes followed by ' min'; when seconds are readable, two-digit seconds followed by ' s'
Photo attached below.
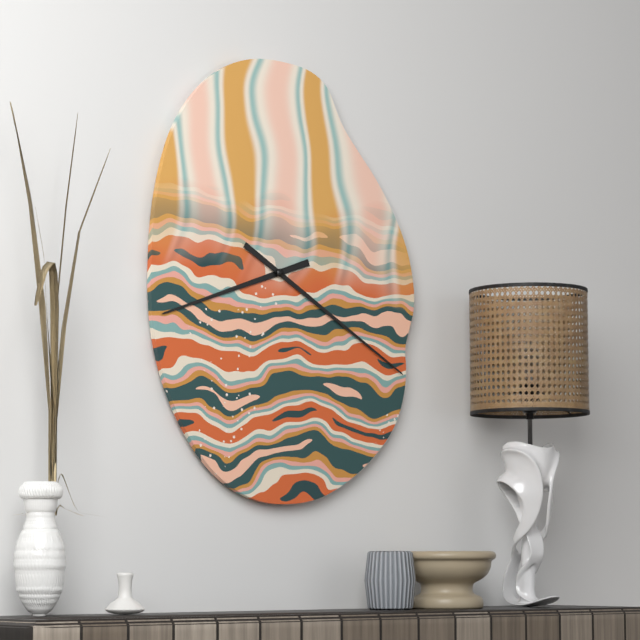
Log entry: 8 h 20 min
